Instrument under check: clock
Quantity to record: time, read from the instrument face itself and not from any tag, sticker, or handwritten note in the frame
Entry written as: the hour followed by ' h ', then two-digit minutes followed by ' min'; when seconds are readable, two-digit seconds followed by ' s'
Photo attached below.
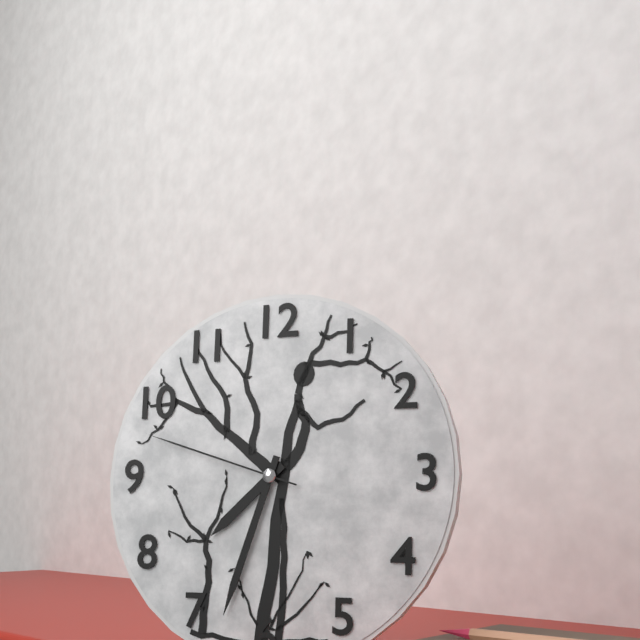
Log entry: 7 h 33 min 48 s
